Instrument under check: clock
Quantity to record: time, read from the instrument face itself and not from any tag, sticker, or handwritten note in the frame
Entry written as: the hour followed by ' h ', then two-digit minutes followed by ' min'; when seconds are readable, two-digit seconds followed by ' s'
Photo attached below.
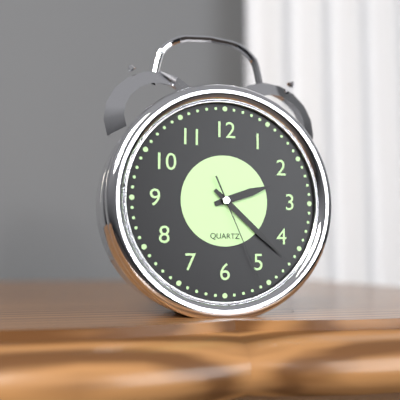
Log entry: 2 h 22 min 26 s
